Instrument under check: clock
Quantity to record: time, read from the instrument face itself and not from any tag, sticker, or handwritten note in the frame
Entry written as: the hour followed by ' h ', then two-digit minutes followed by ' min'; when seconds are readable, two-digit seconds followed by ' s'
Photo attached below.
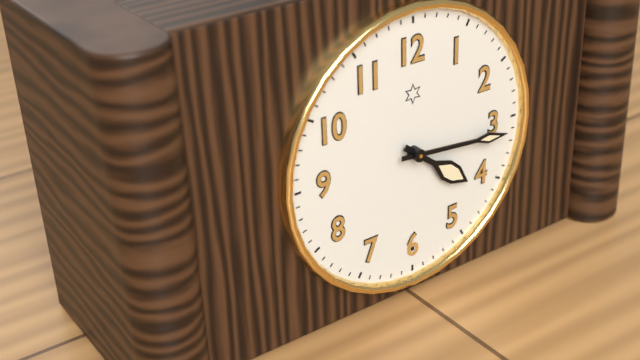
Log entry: 4 h 16 min
